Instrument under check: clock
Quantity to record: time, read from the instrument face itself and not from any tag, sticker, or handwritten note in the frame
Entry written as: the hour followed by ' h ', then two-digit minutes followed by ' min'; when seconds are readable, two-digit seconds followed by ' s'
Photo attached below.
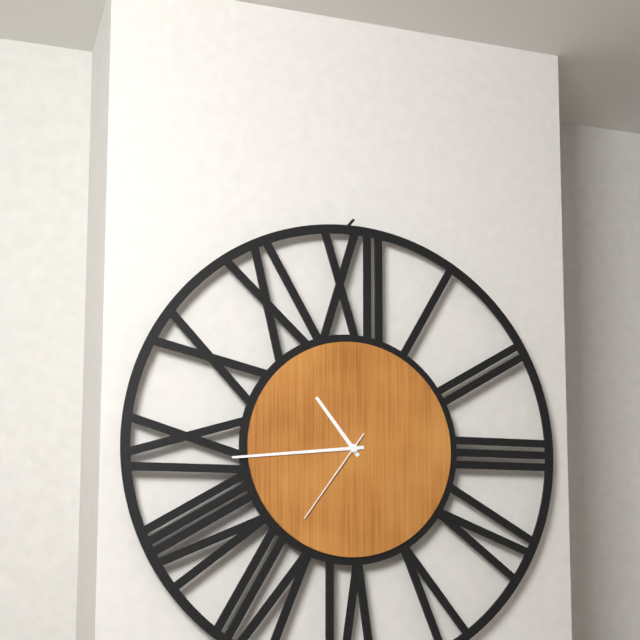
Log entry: 10 h 44 min 36 s
